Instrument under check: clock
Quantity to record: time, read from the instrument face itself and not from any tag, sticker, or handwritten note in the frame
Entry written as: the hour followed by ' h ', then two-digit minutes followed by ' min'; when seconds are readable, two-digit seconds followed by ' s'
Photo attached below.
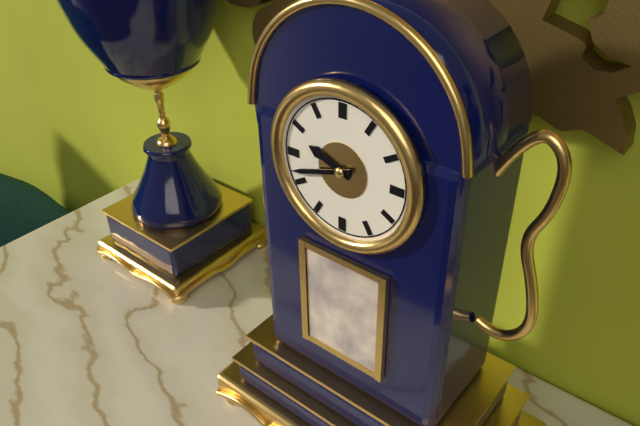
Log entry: 9 h 42 min
